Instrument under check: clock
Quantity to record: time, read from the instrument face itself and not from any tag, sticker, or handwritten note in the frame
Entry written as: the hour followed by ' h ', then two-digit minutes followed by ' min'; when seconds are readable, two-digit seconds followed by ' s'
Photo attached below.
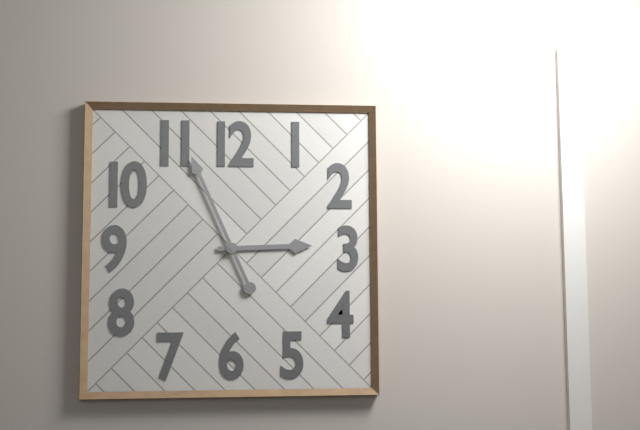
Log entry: 2 h 56 min
